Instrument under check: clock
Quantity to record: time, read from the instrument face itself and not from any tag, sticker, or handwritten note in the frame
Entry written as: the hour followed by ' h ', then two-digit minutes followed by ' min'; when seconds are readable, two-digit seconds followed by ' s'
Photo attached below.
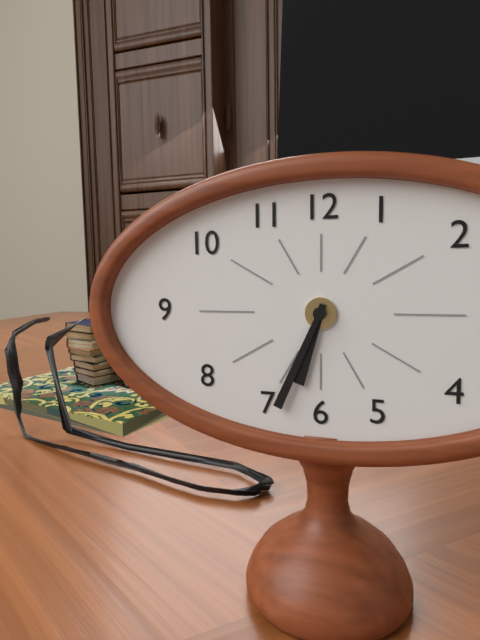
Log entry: 6 h 34 min
